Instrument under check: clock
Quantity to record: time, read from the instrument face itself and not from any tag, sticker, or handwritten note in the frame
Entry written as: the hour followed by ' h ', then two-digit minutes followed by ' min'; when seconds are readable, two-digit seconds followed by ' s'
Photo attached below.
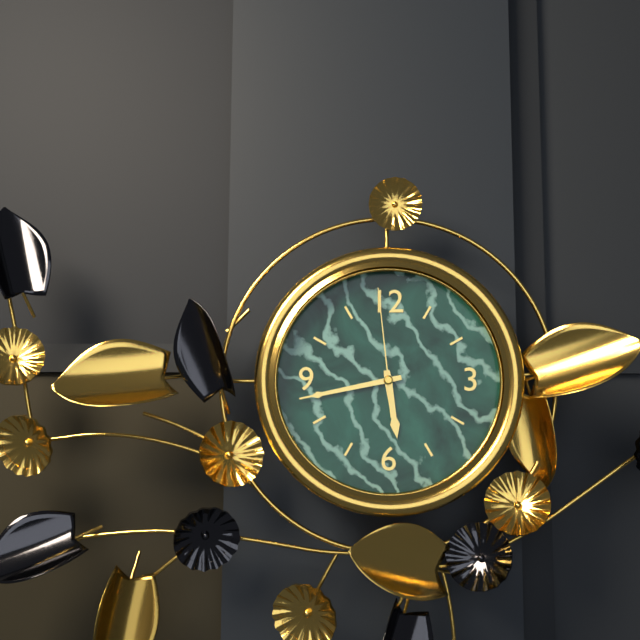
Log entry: 5 h 43 min 59 s
